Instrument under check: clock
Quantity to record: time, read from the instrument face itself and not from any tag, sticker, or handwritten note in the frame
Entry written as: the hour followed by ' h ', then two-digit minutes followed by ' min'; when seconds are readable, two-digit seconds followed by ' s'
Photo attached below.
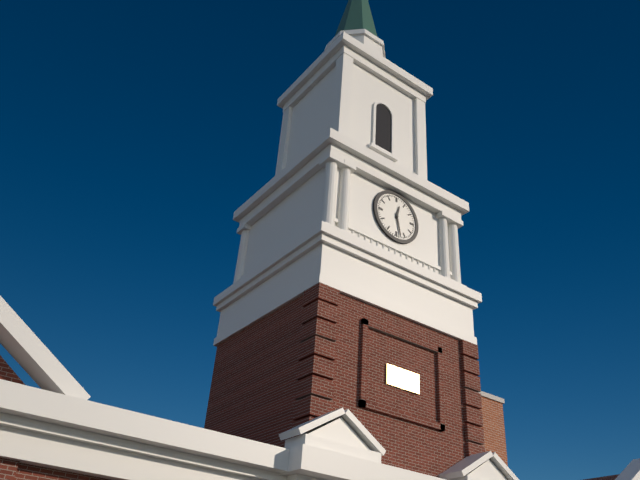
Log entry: 12 h 28 min
